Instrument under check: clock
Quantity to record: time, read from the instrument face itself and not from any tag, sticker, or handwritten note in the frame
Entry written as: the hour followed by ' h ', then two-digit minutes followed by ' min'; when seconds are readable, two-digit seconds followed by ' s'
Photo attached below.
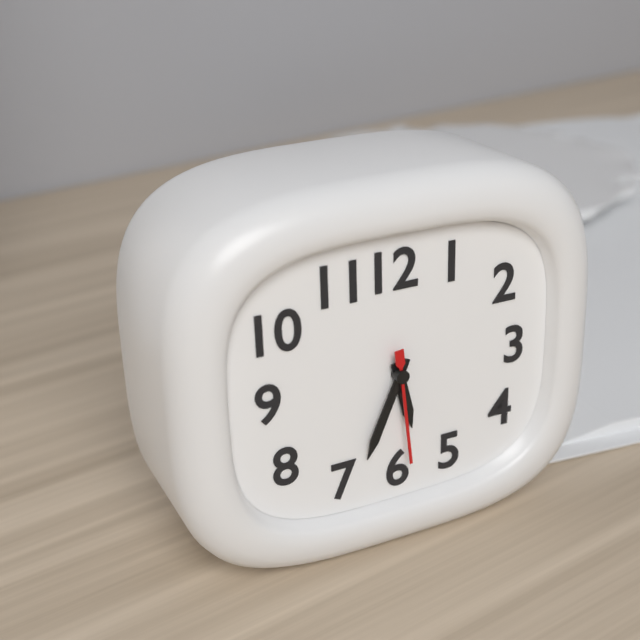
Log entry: 5 h 34 min 29 s
